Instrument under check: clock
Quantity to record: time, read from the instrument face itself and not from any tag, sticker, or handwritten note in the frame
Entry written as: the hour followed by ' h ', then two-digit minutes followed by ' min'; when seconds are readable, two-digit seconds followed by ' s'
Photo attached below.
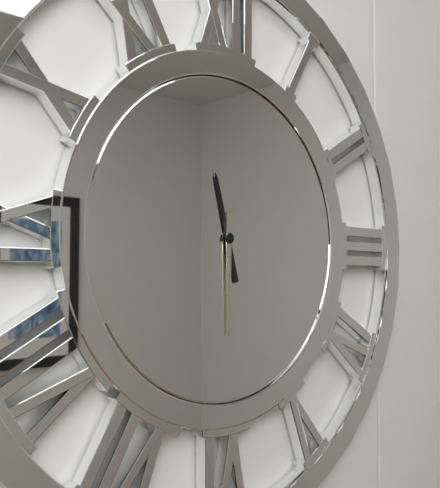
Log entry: 11 h 30 min
